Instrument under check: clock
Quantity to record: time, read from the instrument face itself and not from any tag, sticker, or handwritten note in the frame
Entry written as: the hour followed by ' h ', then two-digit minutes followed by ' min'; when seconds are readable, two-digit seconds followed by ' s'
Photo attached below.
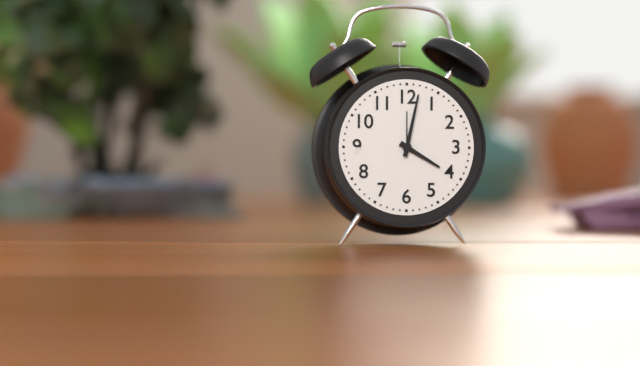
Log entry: 4 h 02 min
